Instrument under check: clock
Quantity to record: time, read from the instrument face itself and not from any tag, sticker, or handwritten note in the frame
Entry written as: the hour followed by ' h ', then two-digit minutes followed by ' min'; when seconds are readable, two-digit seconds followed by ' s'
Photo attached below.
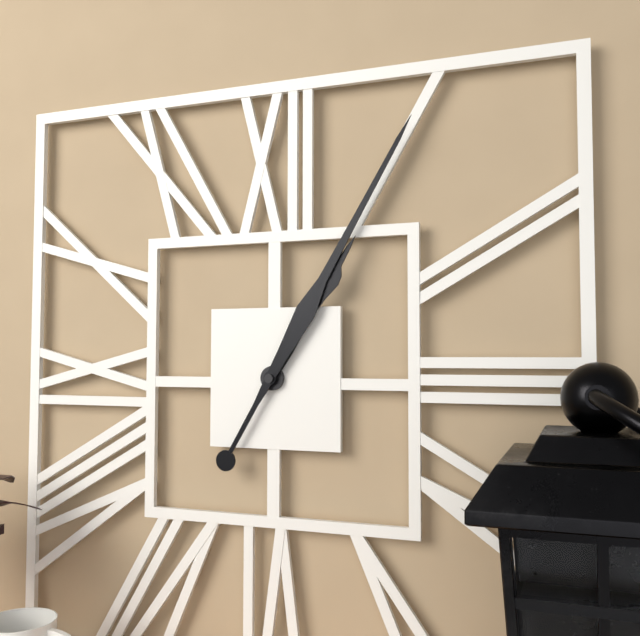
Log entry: 1 h 05 min
